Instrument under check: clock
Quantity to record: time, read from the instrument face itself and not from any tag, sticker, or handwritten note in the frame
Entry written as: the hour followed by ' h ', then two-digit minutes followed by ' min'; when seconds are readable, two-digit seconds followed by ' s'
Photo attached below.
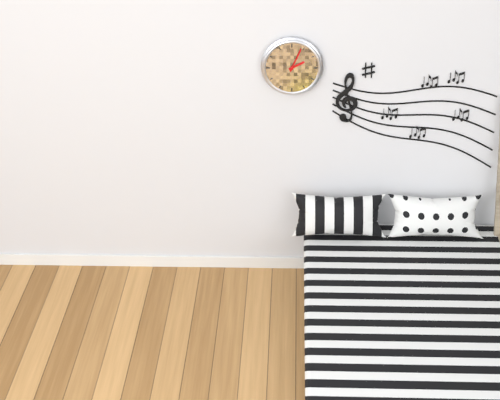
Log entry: 2 h 04 min
